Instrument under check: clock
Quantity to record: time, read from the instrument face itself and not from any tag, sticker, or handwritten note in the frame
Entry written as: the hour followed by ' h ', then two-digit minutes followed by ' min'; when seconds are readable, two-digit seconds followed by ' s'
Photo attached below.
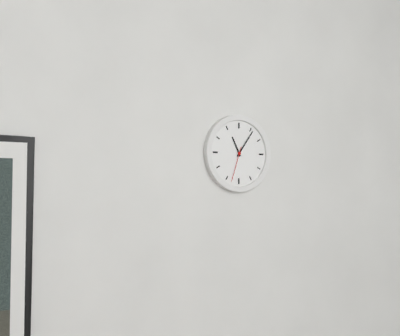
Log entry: 11 h 06 min
